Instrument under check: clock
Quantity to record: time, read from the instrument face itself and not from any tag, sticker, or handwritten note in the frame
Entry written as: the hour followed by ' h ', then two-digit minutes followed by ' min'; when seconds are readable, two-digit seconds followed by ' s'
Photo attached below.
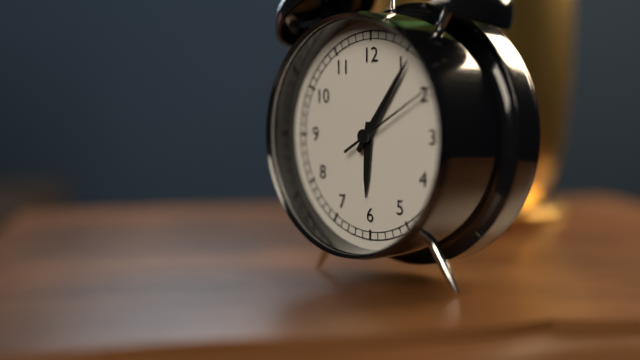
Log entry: 6 h 06 min 10 s
